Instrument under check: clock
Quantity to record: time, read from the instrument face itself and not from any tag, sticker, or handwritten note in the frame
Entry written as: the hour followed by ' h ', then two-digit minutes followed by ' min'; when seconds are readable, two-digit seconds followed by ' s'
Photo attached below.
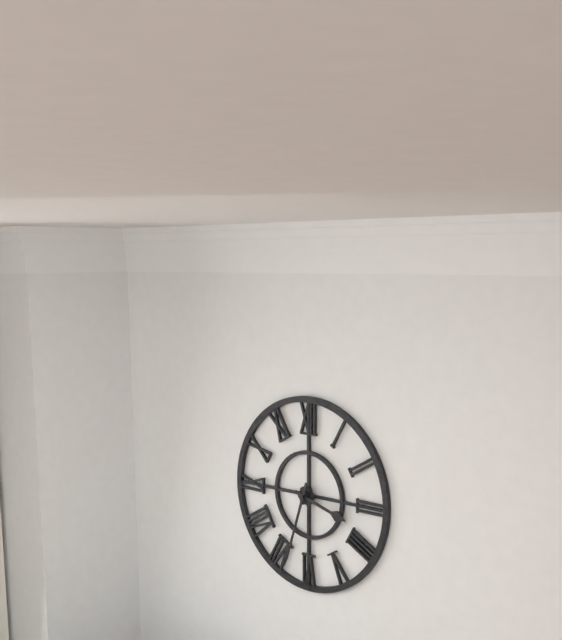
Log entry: 3 h 33 min
